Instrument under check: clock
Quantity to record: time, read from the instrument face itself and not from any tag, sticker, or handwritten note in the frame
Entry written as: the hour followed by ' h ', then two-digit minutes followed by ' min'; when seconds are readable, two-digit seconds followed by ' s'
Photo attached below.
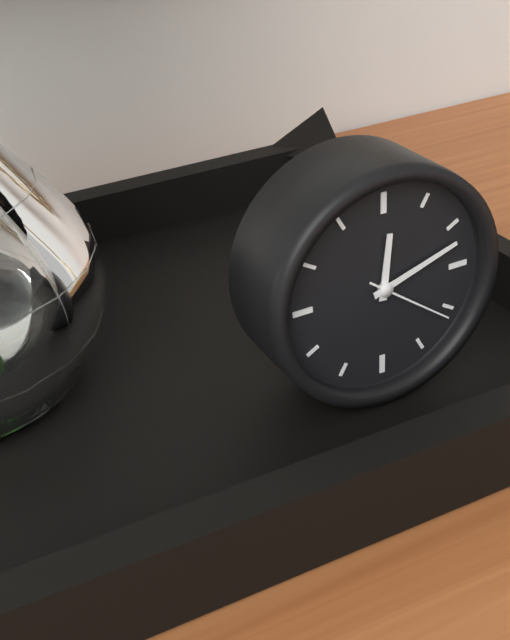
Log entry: 12 h 12 min 21 s
